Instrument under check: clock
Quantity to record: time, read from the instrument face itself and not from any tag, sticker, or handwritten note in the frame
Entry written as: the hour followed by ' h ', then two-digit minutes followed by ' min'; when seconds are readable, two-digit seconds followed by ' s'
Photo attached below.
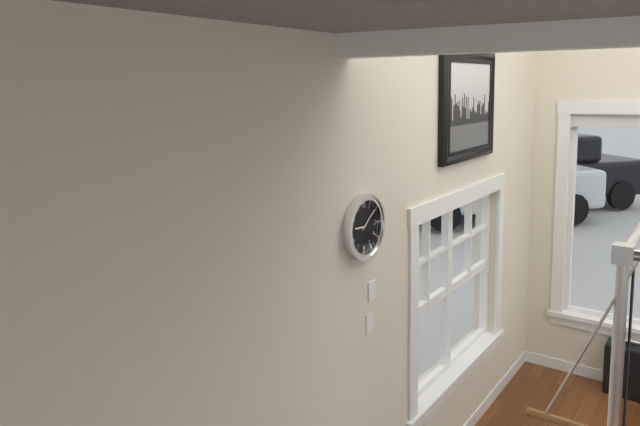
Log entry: 9 h 09 min
